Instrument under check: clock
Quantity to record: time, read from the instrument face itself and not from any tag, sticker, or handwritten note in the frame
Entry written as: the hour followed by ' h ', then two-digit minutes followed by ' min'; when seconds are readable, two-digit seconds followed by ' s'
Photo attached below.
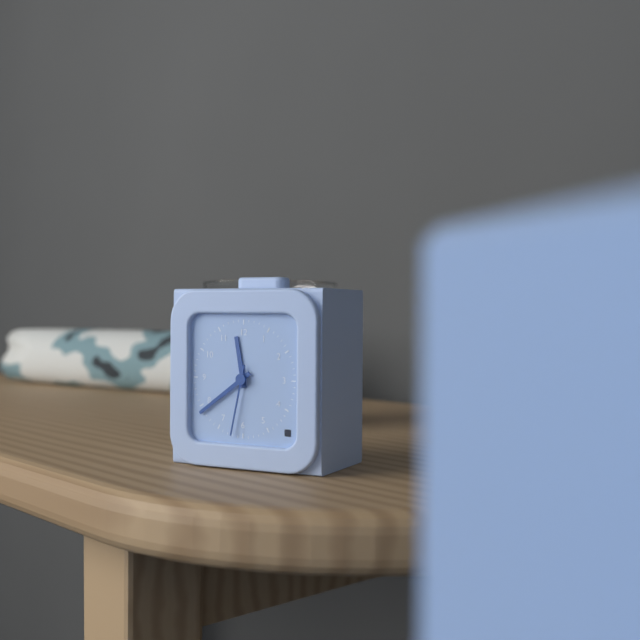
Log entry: 11 h 39 min 32 s
